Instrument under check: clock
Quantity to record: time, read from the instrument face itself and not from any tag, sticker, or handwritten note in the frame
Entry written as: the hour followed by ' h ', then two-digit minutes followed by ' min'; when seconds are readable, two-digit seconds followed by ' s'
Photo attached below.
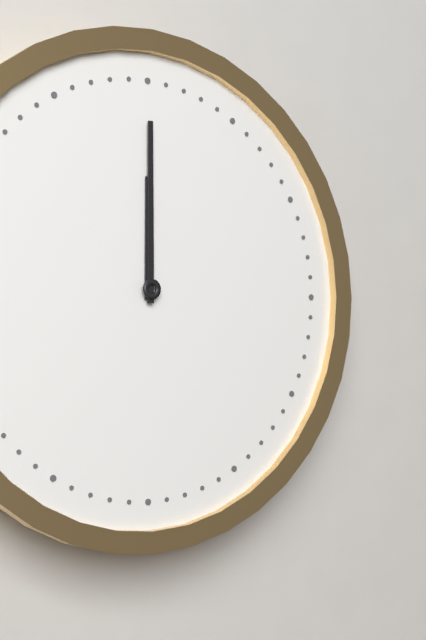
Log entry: 12 h 00 min
